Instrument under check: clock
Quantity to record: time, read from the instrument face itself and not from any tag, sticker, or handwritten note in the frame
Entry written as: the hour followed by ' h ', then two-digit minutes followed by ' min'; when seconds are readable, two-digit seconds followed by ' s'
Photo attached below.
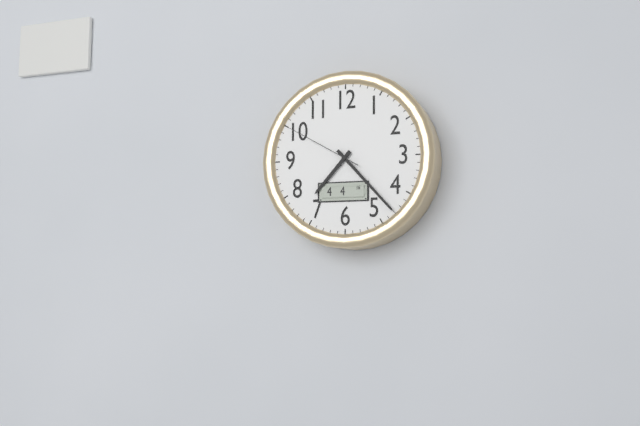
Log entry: 7 h 23 min 50 s
